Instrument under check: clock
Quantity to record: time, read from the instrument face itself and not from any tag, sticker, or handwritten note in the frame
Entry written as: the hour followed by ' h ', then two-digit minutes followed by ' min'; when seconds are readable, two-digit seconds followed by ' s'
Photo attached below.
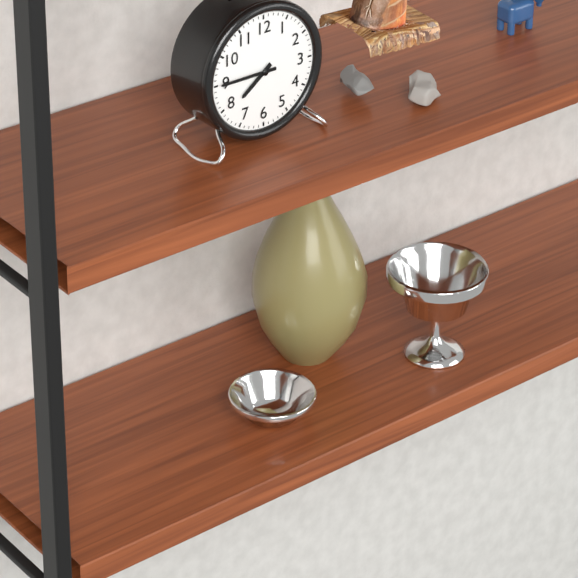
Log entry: 7 h 45 min
